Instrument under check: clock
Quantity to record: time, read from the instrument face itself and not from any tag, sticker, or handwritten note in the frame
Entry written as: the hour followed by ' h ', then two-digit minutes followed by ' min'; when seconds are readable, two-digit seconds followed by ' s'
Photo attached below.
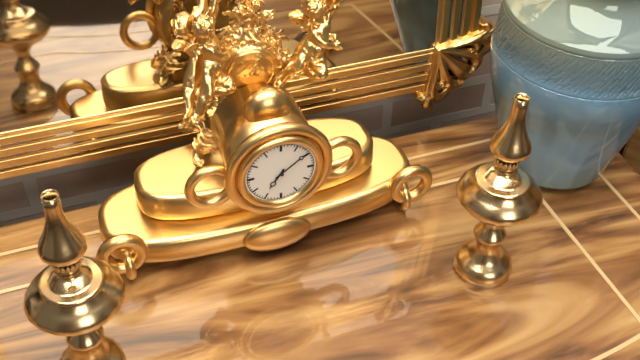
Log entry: 7 h 09 min
